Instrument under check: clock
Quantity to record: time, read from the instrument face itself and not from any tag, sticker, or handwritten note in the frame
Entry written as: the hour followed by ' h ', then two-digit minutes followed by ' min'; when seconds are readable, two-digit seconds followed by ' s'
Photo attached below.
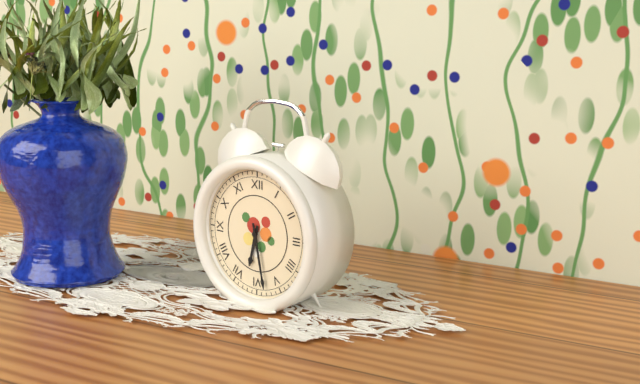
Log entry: 6 h 28 min
